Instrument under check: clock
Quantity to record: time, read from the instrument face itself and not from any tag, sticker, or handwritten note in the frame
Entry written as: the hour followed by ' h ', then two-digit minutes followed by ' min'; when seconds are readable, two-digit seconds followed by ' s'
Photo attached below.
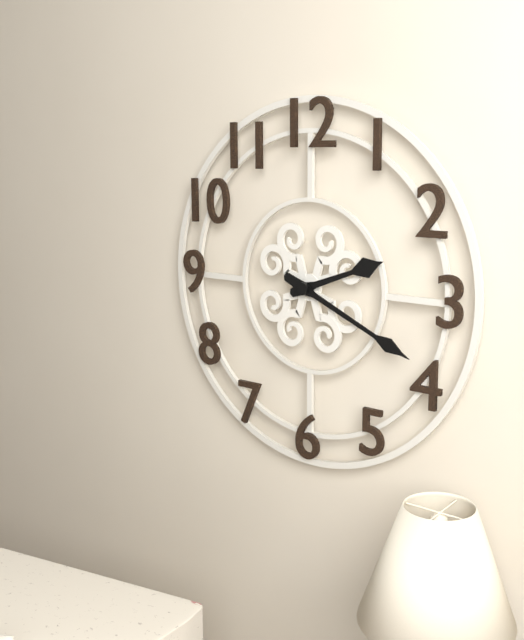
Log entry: 2 h 19 min
